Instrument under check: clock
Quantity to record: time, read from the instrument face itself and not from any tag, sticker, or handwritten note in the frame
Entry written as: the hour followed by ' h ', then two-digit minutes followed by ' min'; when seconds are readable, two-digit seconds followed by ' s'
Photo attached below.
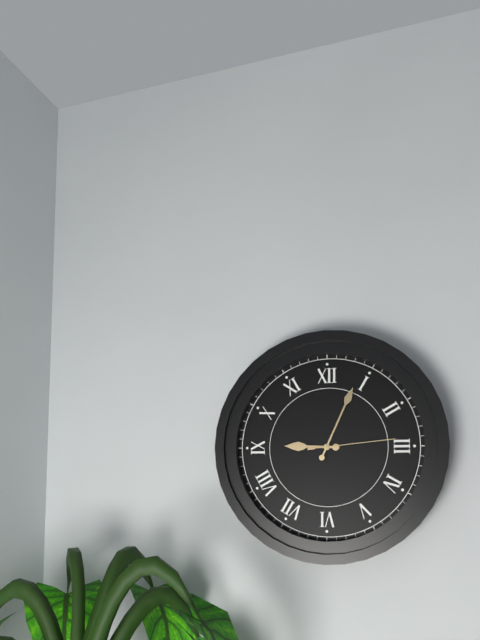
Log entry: 9 h 04 min 14 s
